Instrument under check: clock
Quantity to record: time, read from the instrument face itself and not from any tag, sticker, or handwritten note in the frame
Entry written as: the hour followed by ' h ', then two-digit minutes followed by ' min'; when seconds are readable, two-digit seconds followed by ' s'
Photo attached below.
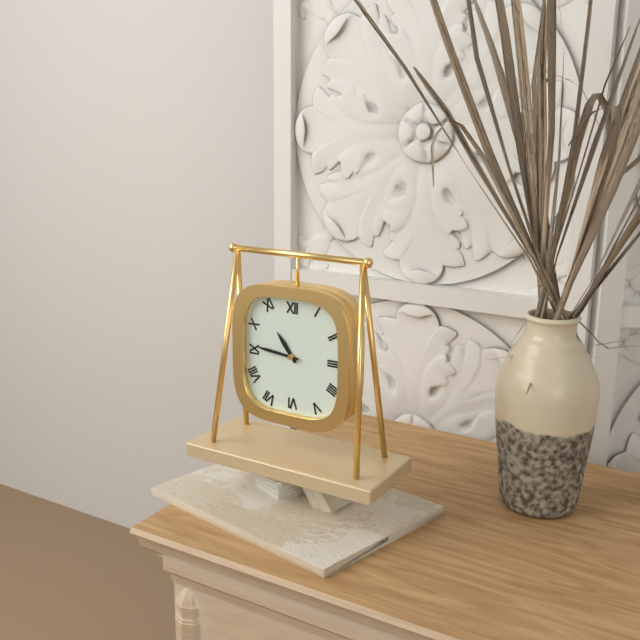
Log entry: 10 h 46 min
